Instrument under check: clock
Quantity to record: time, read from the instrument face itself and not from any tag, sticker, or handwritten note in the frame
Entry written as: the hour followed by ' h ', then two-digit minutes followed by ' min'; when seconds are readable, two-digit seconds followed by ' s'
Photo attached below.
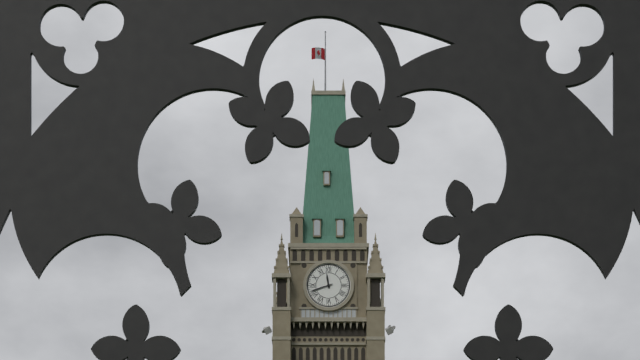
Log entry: 11 h 42 min
